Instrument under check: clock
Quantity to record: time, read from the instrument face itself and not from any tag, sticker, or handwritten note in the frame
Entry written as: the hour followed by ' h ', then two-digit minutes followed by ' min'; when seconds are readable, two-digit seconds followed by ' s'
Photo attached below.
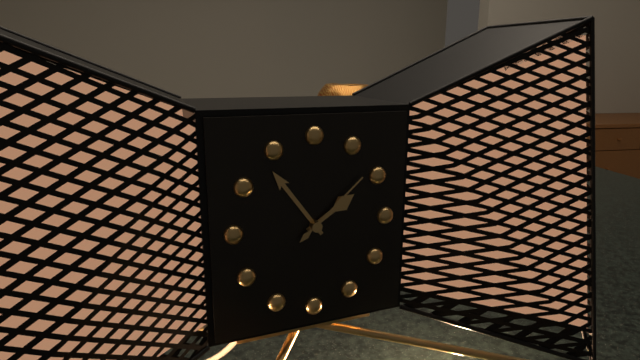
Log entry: 1 h 54 min 08 s
